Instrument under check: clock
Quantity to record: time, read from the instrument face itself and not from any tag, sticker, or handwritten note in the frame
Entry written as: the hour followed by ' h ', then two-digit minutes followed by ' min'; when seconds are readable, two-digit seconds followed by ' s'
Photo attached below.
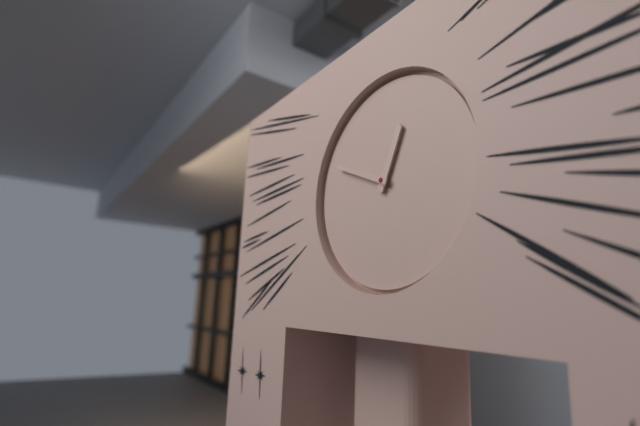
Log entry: 12 h 49 min
